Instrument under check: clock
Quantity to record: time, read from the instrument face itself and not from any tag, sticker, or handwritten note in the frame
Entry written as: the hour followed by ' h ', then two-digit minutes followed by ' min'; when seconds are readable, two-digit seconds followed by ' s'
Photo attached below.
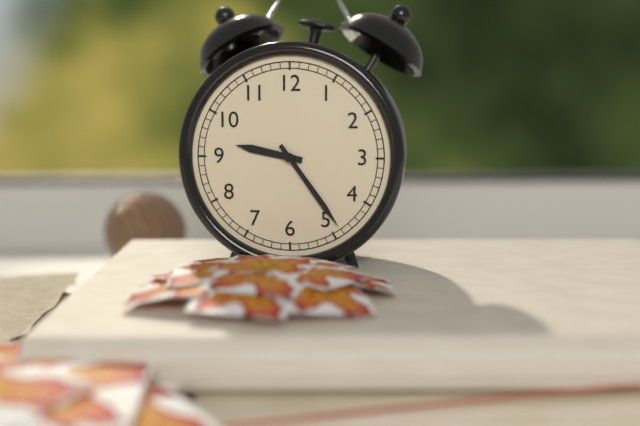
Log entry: 9 h 24 min
